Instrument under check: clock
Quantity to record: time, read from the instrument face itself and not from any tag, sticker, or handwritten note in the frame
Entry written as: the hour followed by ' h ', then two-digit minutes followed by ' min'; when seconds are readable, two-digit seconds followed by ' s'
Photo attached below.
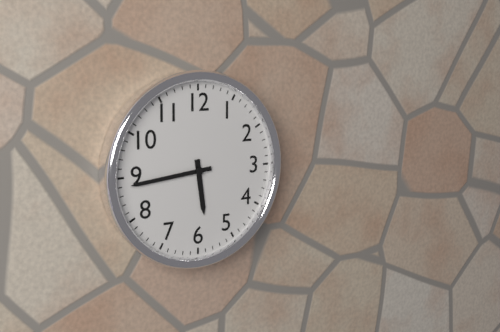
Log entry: 5 h 44 min
